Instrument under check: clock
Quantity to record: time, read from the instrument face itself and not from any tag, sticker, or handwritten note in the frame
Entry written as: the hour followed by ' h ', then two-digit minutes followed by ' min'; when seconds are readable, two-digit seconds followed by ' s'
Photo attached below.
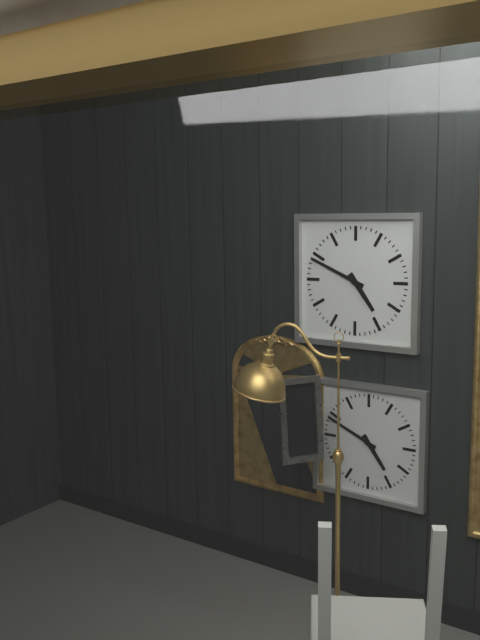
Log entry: 4 h 49 min
